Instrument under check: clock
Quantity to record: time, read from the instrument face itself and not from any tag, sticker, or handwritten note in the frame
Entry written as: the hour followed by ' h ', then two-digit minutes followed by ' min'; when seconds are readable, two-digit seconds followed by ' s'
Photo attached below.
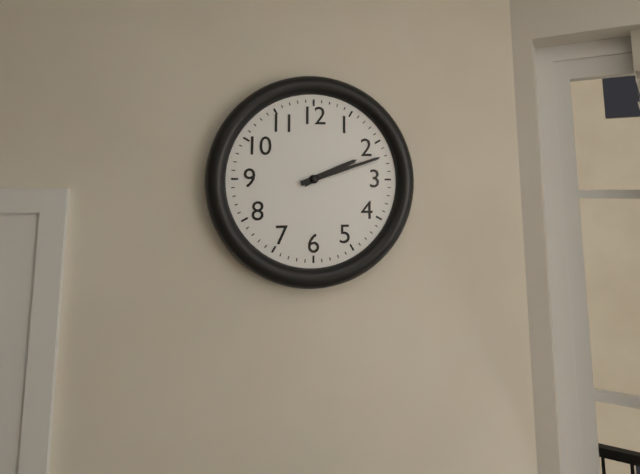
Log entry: 2 h 12 min
